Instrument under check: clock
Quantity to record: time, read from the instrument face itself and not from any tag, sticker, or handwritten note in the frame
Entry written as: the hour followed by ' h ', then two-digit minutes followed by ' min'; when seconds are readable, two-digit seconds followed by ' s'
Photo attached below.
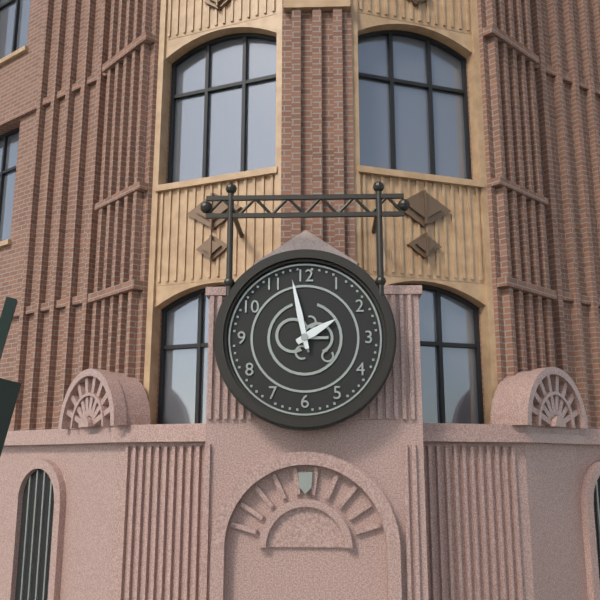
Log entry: 1 h 58 min
